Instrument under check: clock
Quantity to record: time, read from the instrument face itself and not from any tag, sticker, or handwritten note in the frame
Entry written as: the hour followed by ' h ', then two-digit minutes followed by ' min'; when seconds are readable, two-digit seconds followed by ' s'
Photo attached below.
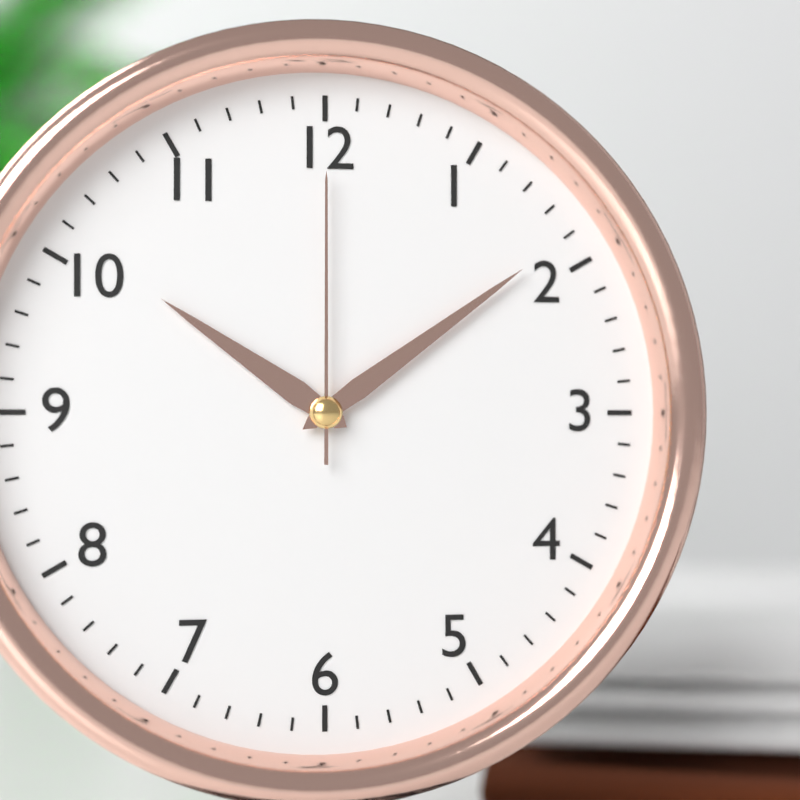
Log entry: 10 h 09 min 00 s
